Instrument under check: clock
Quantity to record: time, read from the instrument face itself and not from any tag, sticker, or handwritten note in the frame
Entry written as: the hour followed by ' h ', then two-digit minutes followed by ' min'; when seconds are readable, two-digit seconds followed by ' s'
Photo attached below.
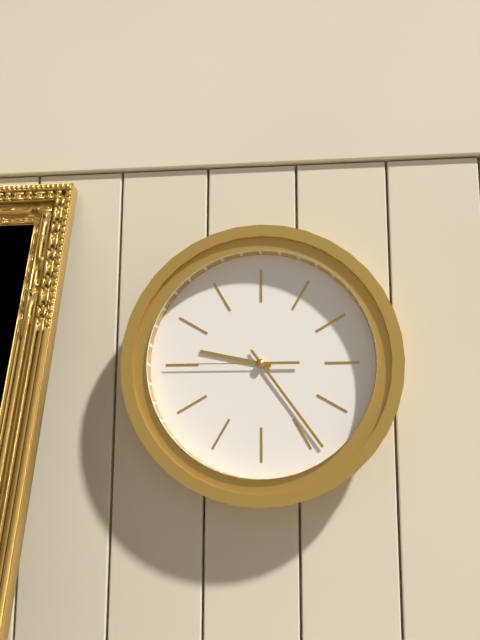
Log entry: 9 h 24 min 45 s
